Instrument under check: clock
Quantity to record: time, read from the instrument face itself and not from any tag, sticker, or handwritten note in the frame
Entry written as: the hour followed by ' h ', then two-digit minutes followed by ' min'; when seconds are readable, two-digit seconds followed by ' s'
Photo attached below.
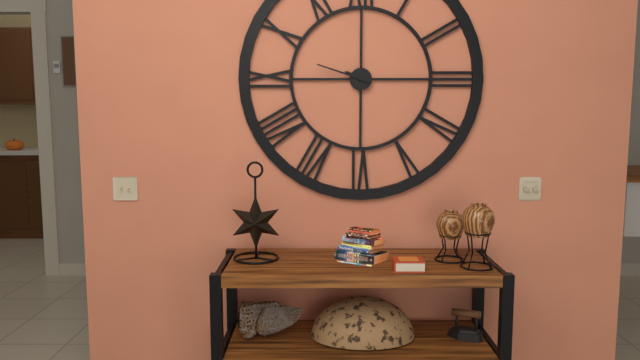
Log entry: 9 h 48 min
